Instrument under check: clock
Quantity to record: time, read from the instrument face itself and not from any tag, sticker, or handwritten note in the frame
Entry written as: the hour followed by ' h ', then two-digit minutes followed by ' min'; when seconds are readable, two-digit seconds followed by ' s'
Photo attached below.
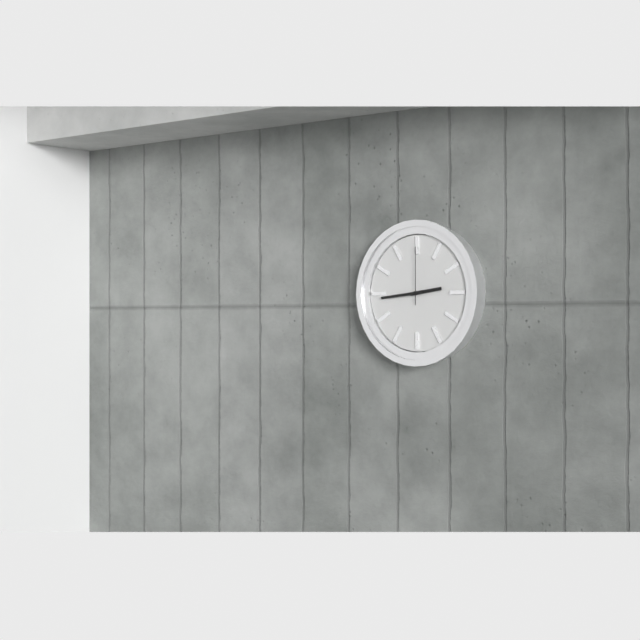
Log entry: 2 h 44 min 00 s
